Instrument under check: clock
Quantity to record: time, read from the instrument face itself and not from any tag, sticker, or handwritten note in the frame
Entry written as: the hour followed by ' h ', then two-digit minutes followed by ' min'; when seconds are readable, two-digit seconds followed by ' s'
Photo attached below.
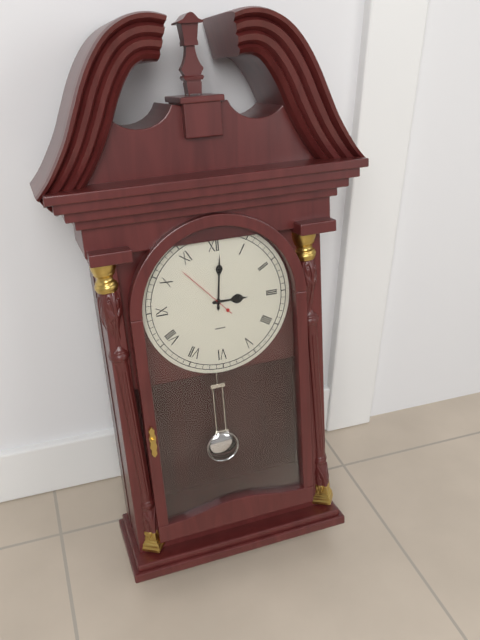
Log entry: 3 h 01 min 53 s
